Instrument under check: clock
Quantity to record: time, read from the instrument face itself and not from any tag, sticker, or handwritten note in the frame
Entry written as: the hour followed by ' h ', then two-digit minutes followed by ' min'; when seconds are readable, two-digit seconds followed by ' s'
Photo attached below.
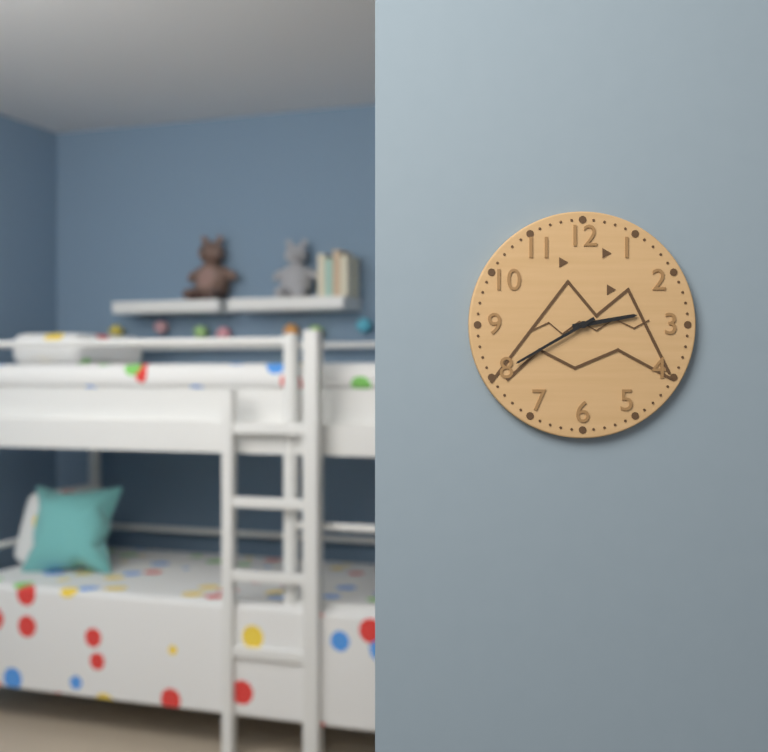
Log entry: 2 h 40 min
